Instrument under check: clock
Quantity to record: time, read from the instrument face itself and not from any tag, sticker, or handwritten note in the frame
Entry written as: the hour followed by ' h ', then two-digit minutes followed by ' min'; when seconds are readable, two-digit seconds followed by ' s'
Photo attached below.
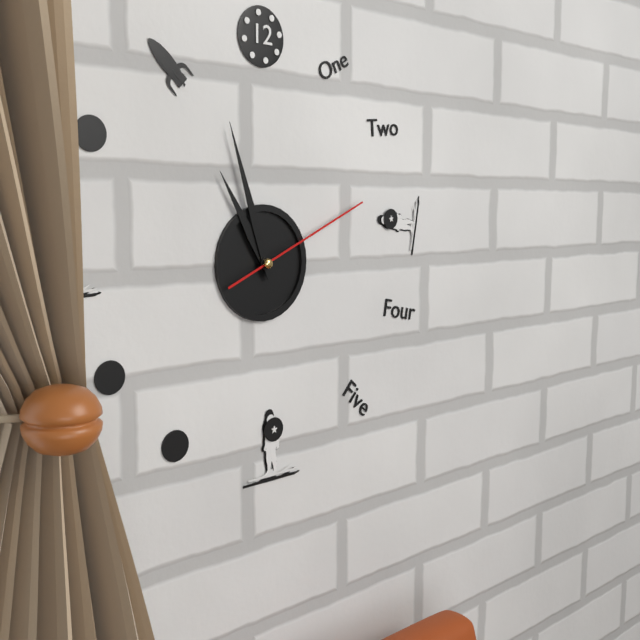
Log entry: 10 h 57 min 11 s
